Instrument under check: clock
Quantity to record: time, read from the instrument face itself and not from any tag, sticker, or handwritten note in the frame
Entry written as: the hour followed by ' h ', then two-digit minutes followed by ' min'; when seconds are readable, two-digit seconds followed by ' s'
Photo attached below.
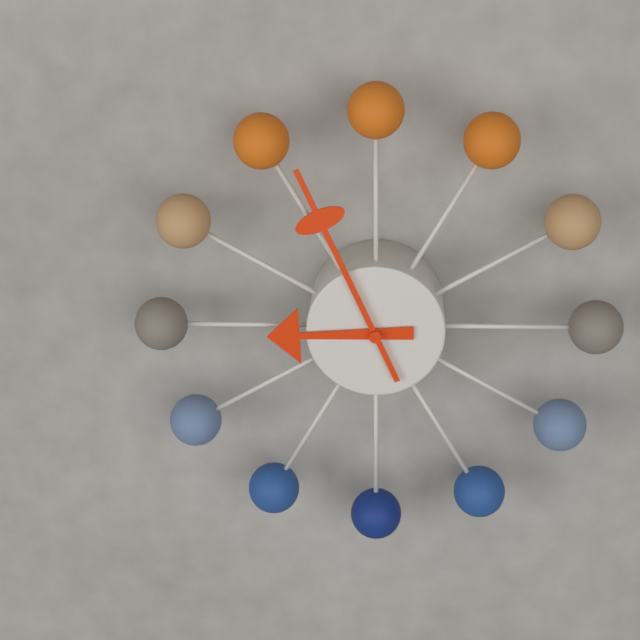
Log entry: 8 h 56 min
